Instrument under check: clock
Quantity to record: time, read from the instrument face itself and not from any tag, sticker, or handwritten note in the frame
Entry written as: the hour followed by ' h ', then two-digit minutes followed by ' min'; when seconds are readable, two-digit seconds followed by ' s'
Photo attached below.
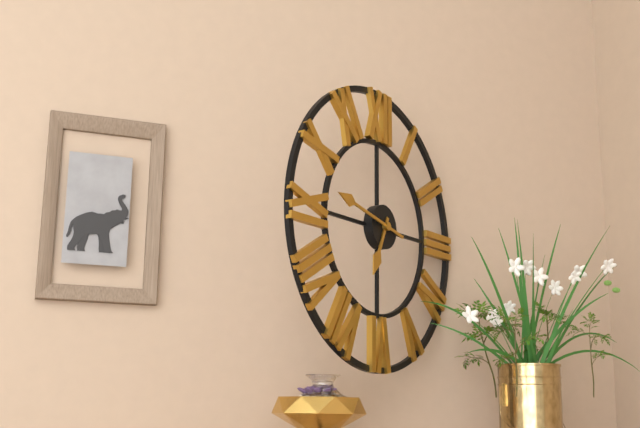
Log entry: 6 h 47 min
